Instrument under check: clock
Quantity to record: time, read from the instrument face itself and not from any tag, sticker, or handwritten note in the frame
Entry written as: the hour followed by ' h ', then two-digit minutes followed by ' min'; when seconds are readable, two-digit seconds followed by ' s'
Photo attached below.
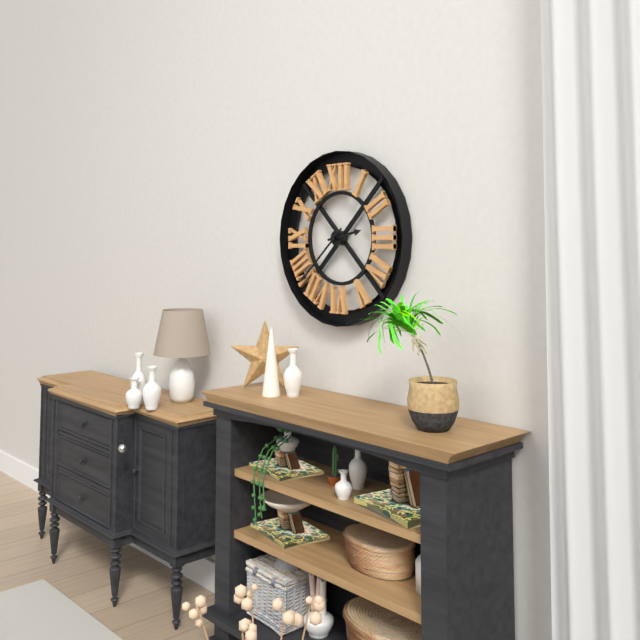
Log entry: 2 h 38 min
